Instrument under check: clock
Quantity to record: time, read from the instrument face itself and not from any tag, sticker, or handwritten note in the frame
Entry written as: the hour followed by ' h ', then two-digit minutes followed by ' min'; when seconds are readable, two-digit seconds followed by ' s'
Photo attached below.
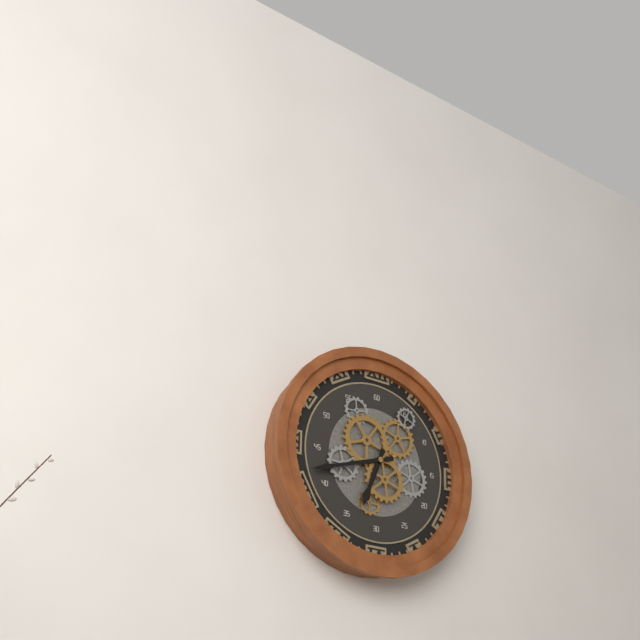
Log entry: 6 h 42 min
